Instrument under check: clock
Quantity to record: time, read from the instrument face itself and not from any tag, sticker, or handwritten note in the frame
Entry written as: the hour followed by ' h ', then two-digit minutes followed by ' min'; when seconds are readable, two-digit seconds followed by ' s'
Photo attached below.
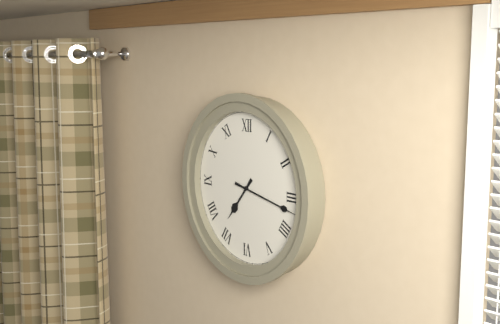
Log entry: 7 h 17 min
